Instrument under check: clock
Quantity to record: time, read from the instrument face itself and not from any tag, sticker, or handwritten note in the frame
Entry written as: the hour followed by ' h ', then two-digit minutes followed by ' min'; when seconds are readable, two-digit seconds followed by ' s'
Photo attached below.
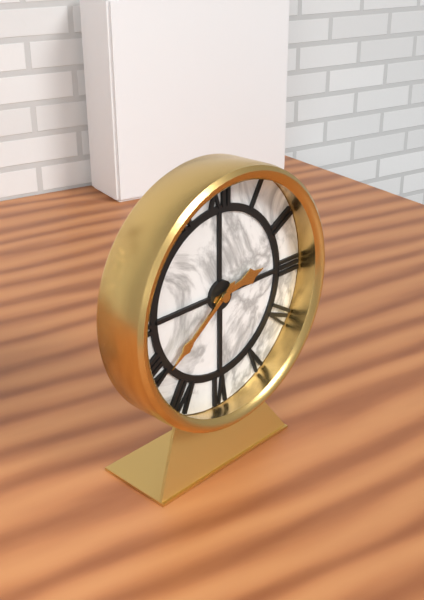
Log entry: 2 h 39 min
